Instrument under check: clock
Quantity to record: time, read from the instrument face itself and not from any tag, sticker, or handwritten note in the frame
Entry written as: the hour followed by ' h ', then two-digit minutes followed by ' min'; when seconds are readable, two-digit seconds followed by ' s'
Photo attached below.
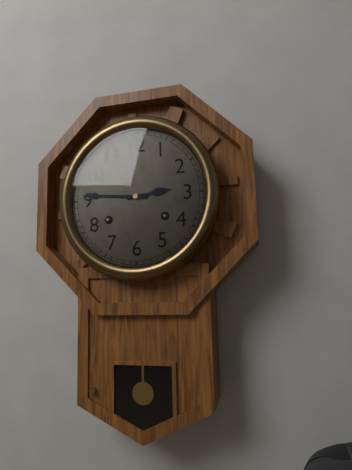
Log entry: 2 h 46 min
